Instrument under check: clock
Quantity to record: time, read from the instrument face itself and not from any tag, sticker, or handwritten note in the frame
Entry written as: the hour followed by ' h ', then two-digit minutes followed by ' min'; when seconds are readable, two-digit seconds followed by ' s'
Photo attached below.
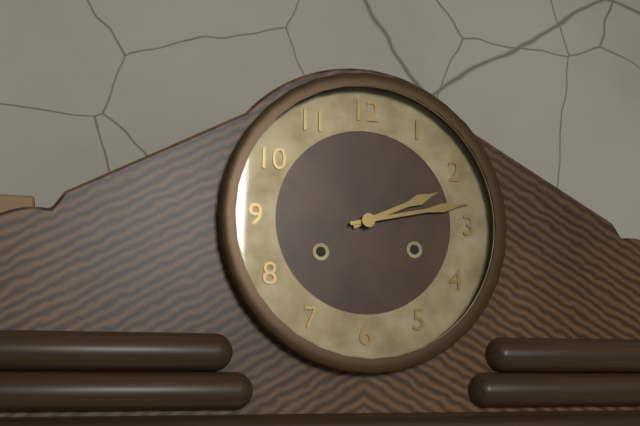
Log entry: 2 h 13 min
